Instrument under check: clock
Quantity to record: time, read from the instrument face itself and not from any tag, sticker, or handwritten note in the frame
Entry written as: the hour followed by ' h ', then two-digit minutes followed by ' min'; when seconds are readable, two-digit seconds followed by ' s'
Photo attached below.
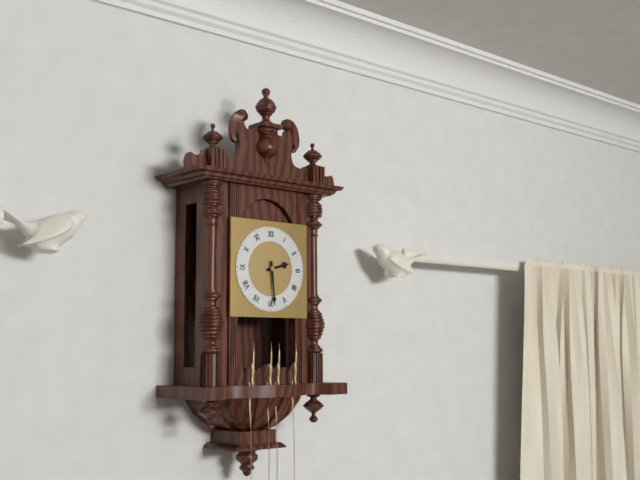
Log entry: 2 h 29 min
